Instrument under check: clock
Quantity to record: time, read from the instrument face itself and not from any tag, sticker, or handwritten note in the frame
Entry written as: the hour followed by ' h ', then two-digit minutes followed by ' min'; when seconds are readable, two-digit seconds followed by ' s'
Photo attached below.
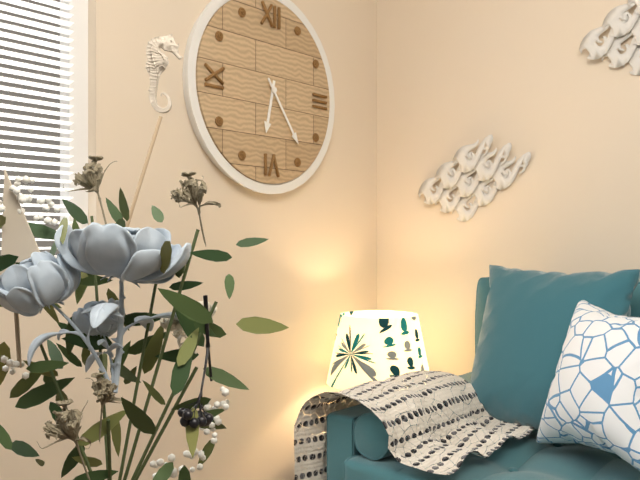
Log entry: 6 h 24 min
